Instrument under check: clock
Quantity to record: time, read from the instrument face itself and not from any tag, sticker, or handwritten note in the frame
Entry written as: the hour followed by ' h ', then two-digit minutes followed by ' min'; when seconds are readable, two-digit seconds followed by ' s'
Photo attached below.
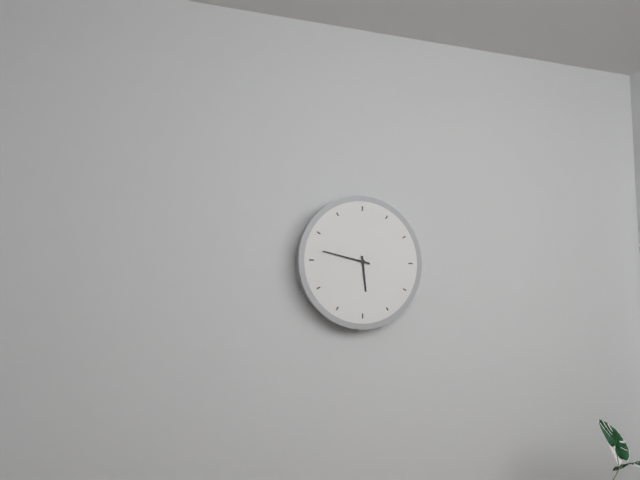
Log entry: 5 h 47 min
